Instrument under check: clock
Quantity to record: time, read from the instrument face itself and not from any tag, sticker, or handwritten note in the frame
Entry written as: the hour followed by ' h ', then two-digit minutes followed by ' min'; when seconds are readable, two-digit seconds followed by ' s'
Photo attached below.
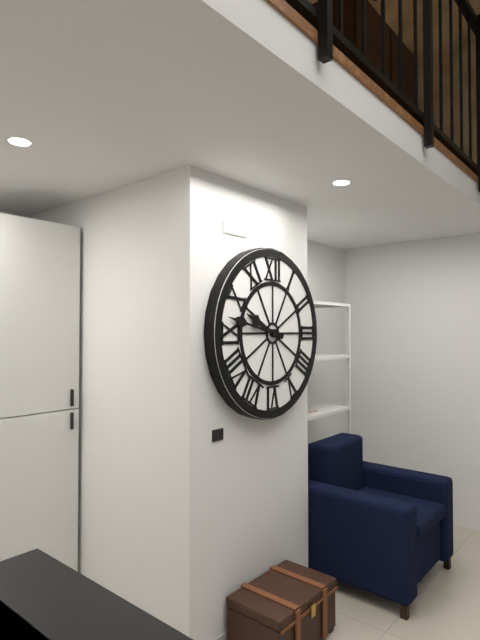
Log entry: 9 h 47 min
